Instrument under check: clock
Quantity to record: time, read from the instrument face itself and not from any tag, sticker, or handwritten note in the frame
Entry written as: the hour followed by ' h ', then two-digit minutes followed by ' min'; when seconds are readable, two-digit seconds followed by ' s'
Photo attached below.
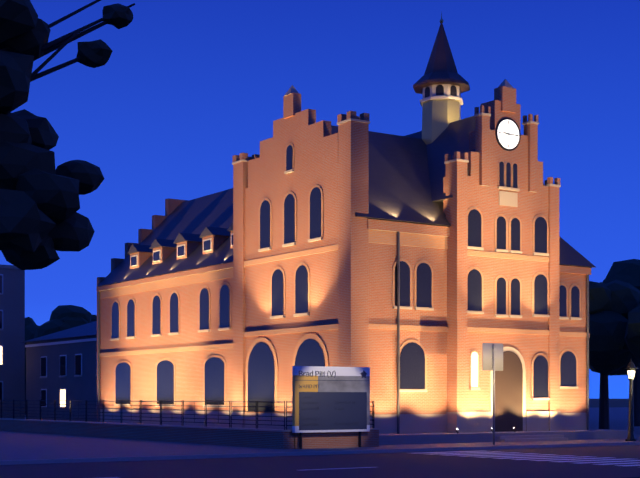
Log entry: 9 h 15 min
